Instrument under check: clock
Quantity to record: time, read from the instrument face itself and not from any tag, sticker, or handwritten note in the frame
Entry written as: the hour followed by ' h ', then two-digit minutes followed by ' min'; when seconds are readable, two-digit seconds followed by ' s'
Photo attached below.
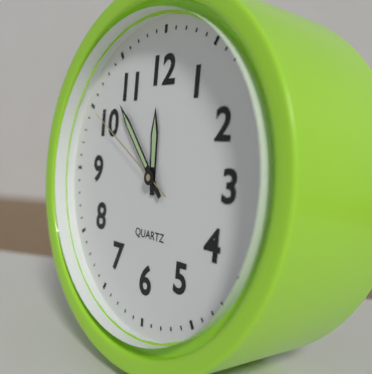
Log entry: 11 h 53 min 50 s
